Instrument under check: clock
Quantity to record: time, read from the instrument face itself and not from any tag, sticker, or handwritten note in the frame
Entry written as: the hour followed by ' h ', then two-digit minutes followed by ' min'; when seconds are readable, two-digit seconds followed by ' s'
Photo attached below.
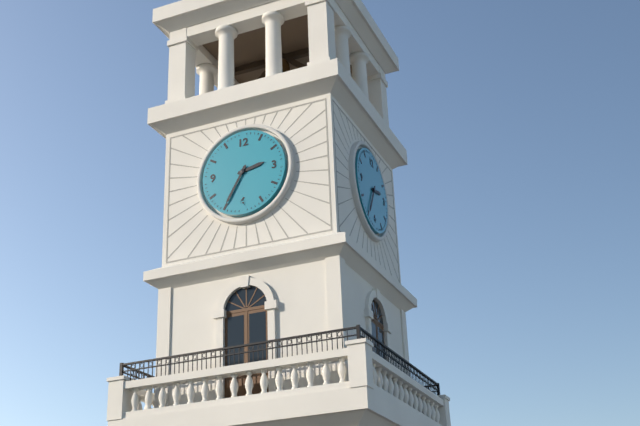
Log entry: 2 h 35 min
